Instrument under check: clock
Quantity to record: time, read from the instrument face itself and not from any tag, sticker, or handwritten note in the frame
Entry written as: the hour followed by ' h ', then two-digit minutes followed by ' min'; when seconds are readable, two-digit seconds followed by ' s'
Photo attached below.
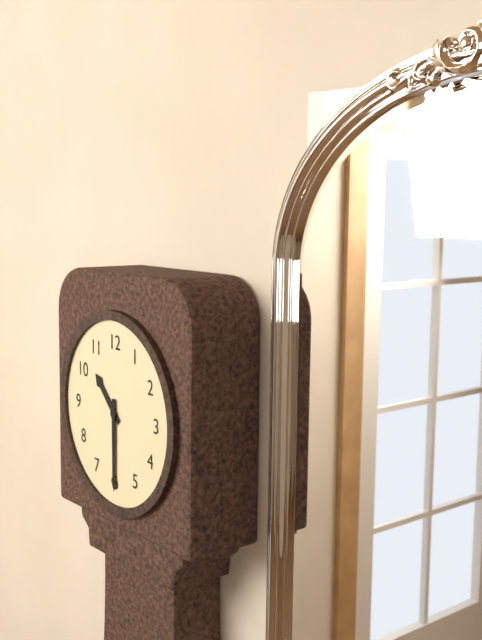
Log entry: 10 h 30 min
